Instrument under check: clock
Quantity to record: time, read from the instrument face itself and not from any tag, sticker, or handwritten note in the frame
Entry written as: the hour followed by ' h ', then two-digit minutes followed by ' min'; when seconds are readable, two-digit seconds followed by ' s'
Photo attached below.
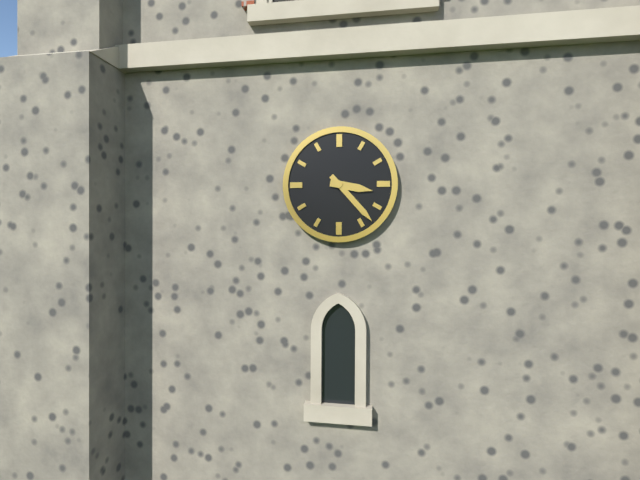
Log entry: 3 h 23 min
